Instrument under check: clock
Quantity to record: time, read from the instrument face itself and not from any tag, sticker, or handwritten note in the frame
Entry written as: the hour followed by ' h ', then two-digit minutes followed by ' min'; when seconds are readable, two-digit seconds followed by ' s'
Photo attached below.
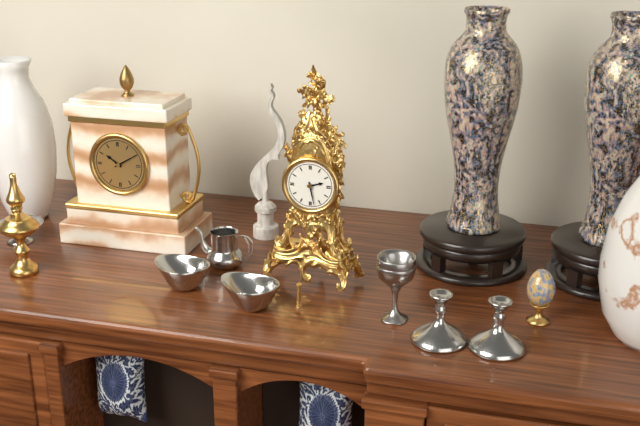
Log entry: 2 h 28 min
